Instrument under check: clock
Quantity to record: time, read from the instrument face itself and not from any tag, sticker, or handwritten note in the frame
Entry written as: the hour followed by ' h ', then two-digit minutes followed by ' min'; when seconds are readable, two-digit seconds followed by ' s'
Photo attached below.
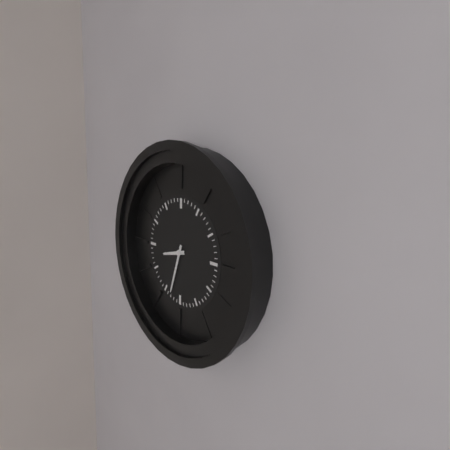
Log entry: 8 h 33 min
